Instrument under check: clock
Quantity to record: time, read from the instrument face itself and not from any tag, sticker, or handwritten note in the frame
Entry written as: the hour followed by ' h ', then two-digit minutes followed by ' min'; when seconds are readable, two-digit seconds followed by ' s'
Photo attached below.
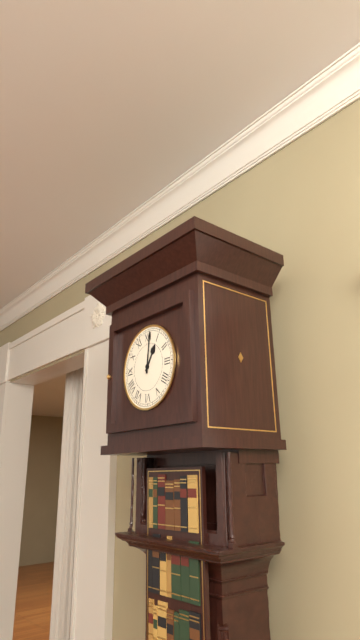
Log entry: 1 h 01 min
